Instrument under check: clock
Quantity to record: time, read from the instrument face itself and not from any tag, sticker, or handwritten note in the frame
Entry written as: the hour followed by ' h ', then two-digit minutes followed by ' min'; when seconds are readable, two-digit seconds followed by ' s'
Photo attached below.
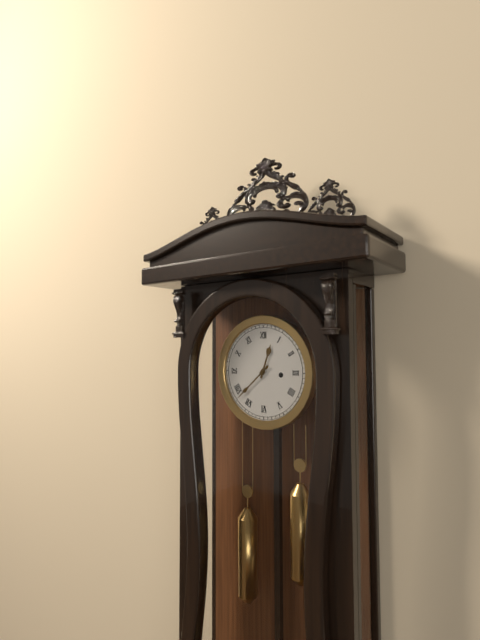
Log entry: 12 h 38 min
